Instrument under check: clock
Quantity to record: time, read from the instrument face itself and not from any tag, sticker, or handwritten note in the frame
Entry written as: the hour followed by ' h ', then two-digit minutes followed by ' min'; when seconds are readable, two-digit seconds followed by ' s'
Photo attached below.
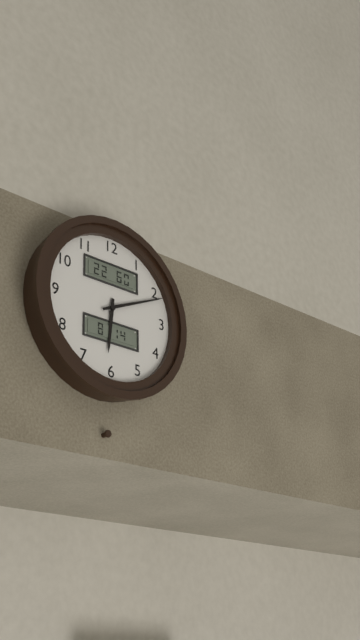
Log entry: 6 h 11 min
